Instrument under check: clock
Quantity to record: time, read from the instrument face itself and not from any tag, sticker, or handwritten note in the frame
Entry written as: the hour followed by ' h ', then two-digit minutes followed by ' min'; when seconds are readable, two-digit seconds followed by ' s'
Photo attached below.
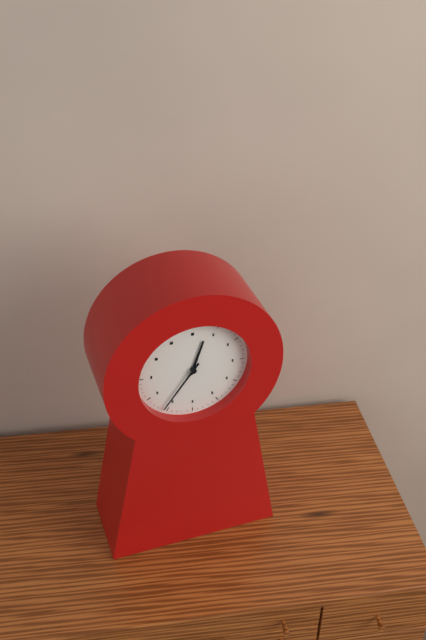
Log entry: 12 h 36 min
